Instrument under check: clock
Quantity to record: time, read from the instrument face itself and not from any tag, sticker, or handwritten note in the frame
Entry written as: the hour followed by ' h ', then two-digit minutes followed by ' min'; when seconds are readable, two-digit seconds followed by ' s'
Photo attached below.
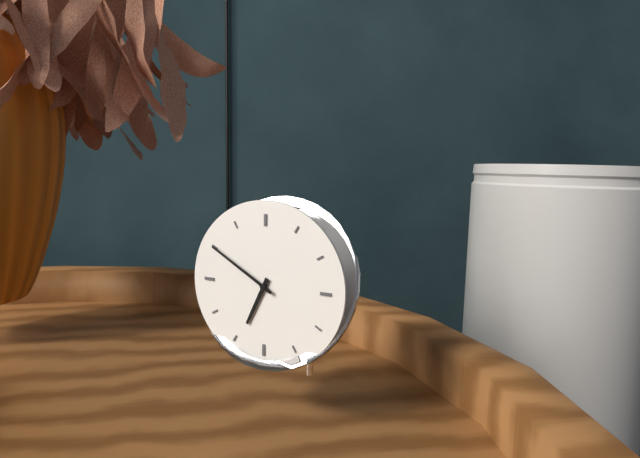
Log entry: 6 h 50 min
